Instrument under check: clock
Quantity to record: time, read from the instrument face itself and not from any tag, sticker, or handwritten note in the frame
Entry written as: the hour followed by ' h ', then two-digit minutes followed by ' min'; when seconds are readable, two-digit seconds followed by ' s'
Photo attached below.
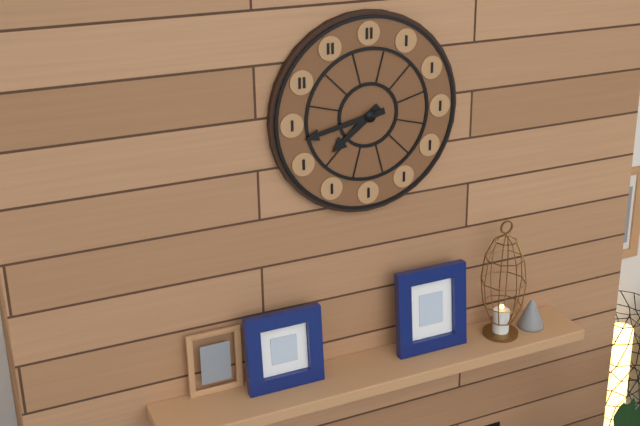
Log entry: 7 h 43 min
